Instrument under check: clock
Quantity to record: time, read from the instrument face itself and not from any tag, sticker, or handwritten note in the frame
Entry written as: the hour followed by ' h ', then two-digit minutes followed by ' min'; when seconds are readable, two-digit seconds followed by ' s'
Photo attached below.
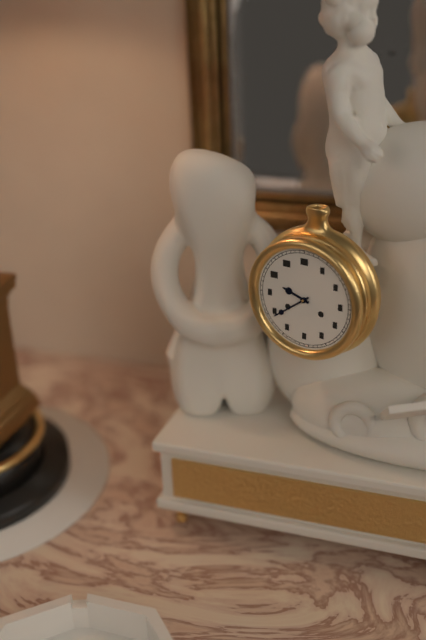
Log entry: 9 h 39 min
